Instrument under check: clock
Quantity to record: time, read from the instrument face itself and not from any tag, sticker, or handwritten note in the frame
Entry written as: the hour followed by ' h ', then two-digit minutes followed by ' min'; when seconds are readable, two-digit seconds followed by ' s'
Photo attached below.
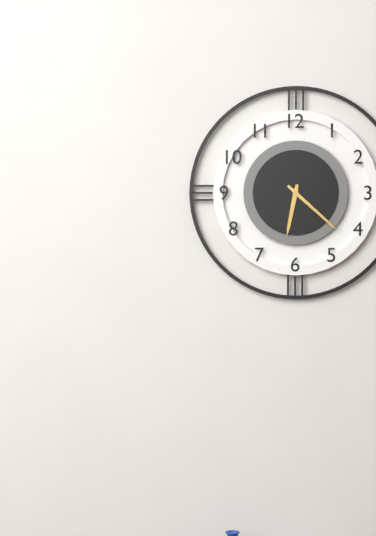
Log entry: 6 h 22 min
